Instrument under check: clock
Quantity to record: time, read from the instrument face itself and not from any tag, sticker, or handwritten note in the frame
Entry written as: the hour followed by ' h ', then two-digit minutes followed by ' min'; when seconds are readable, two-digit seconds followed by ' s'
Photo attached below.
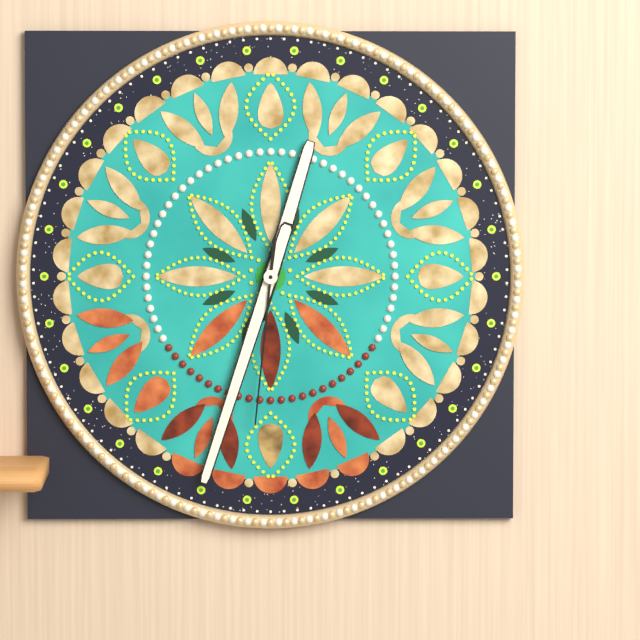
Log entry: 12 h 33 min 31 s
